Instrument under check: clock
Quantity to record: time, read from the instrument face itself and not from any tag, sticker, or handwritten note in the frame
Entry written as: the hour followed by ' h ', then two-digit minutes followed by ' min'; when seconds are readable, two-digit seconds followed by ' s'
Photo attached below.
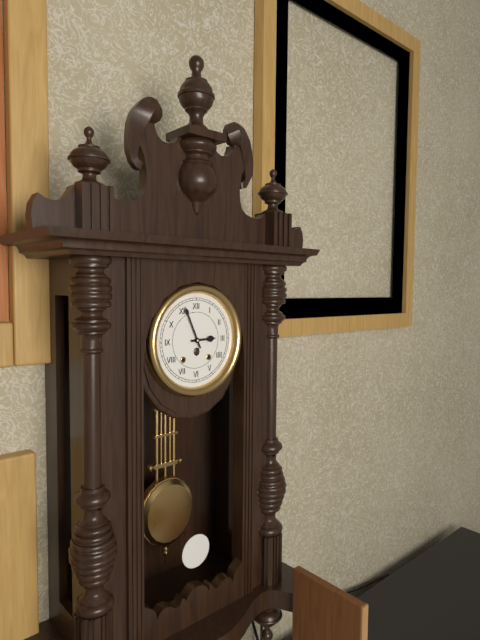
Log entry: 2 h 56 min
